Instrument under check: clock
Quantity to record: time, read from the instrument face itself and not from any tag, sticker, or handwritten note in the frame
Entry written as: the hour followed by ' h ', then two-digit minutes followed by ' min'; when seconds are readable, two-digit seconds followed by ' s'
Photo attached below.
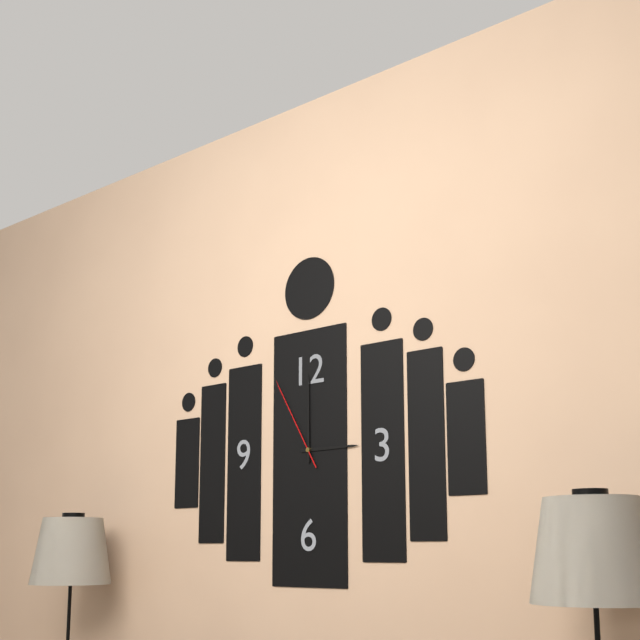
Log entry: 3 h 00 min 55 s
